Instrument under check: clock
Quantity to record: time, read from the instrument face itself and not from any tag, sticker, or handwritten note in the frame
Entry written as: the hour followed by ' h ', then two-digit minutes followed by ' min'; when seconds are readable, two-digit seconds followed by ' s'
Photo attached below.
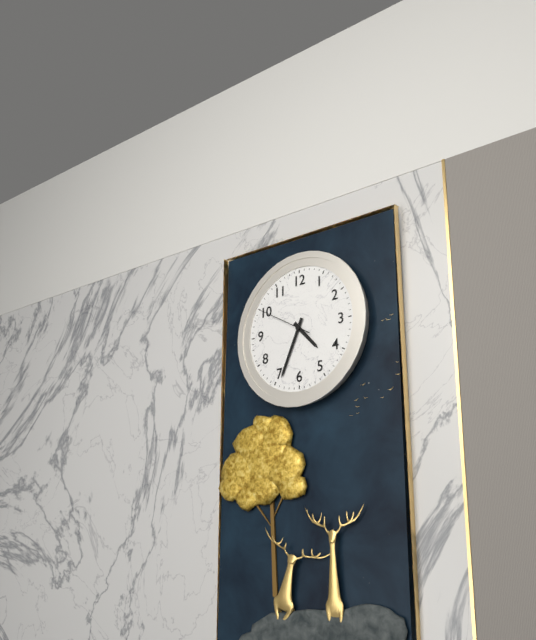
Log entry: 4 h 34 min 50 s
